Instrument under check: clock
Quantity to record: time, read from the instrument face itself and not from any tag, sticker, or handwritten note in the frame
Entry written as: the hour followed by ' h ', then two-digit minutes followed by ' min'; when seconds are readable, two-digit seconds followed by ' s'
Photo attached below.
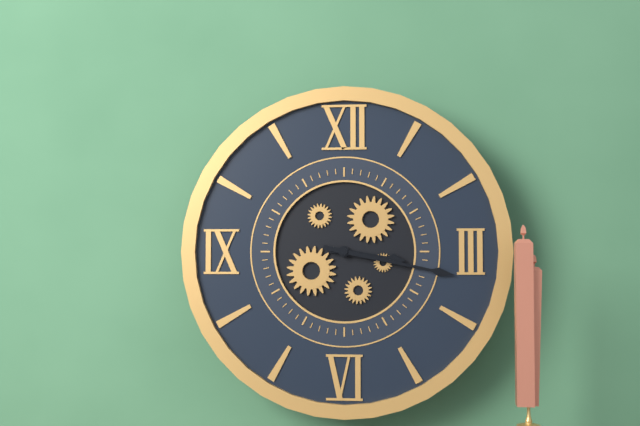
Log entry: 3 h 17 min
